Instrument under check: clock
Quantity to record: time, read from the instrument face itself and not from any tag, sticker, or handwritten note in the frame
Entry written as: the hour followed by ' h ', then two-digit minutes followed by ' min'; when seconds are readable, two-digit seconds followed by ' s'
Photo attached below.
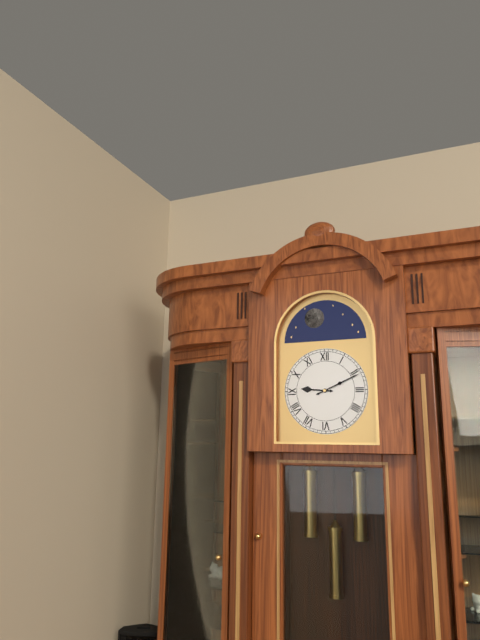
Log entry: 9 h 11 min
